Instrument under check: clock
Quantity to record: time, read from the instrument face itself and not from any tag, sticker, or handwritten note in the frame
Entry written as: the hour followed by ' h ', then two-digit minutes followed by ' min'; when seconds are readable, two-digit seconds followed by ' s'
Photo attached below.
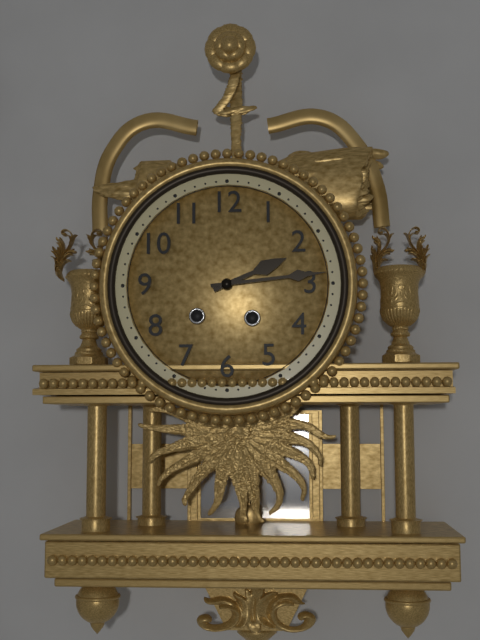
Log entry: 2 h 14 min
